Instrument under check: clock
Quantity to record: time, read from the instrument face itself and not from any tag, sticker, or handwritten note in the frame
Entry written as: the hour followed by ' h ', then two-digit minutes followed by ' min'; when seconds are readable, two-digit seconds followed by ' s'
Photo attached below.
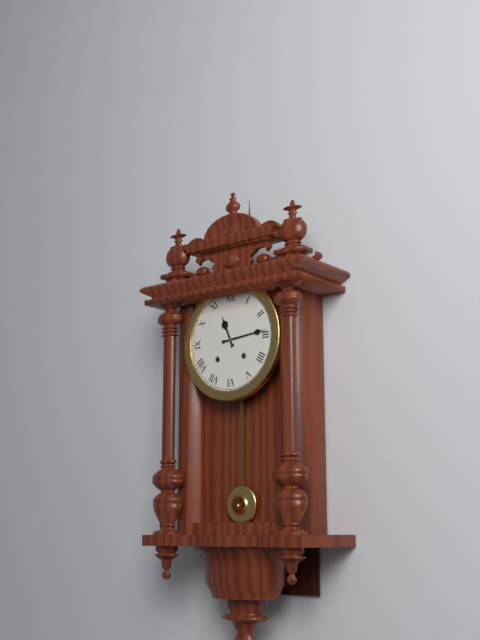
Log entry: 11 h 14 min
